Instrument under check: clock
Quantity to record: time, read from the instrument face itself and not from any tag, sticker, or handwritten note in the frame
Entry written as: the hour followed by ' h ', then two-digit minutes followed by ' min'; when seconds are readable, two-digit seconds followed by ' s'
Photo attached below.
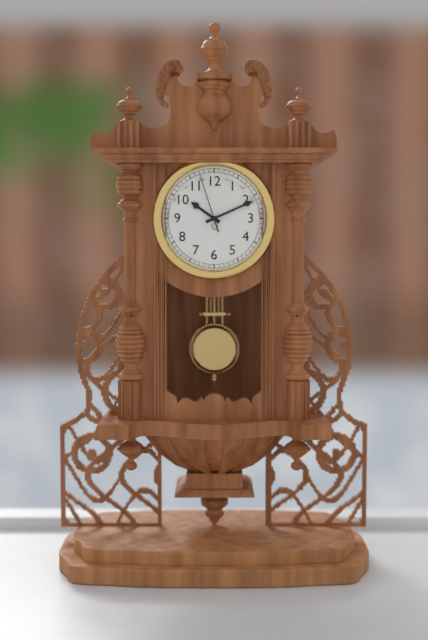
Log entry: 10 h 11 min 57 s
